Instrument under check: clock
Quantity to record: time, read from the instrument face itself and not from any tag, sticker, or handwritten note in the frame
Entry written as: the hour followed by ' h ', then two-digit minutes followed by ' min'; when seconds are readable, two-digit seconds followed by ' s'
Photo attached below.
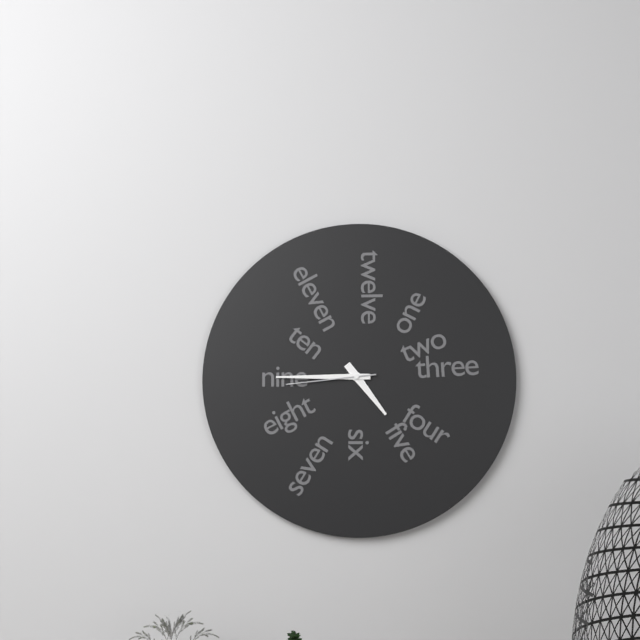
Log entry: 4 h 45 min 44 s
